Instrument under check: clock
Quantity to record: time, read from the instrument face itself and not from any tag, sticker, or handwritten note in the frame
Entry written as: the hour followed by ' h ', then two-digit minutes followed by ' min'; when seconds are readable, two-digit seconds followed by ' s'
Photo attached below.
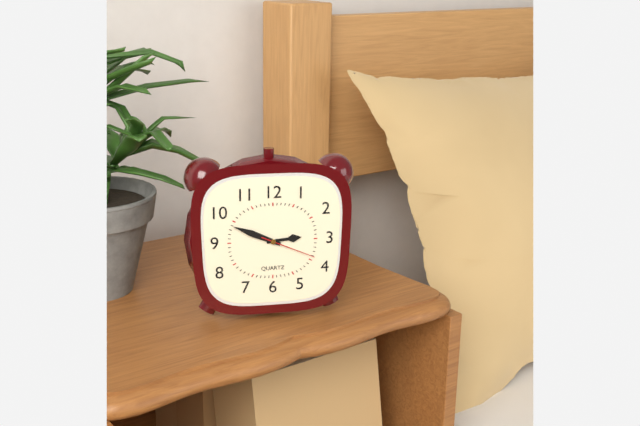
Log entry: 2 h 49 min 19 s
